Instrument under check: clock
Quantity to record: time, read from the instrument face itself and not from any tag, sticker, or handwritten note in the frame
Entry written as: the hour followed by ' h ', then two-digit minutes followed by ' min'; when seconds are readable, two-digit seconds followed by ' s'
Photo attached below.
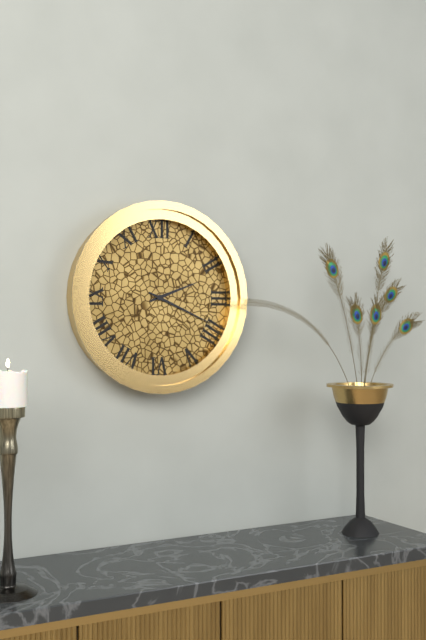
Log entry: 2 h 19 min
